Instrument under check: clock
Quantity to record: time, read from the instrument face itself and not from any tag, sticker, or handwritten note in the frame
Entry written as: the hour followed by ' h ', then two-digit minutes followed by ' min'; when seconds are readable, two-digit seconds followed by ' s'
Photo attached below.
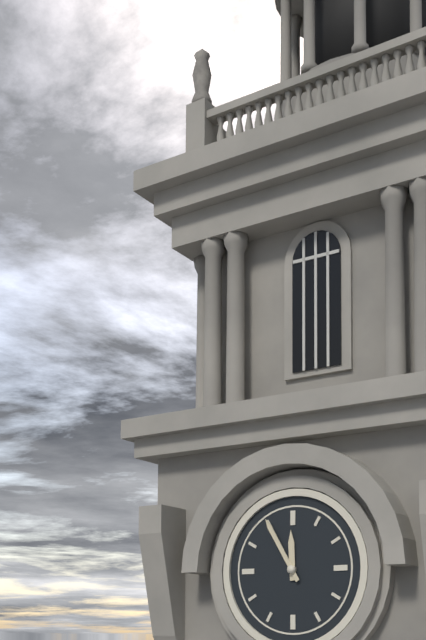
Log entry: 11 h 55 min
